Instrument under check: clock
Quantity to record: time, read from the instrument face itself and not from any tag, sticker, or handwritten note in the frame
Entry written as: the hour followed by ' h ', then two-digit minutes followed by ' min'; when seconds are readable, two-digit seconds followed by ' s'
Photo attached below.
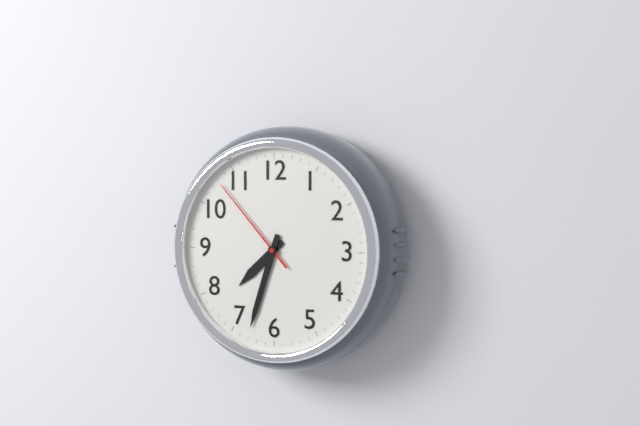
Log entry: 7 h 33 min 53 s
